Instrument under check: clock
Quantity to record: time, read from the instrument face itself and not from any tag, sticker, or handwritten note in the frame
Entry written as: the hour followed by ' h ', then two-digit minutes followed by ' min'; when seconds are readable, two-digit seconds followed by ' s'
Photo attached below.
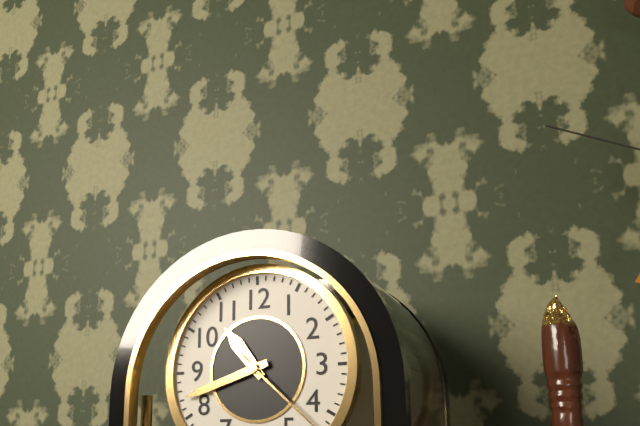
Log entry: 10 h 42 min
